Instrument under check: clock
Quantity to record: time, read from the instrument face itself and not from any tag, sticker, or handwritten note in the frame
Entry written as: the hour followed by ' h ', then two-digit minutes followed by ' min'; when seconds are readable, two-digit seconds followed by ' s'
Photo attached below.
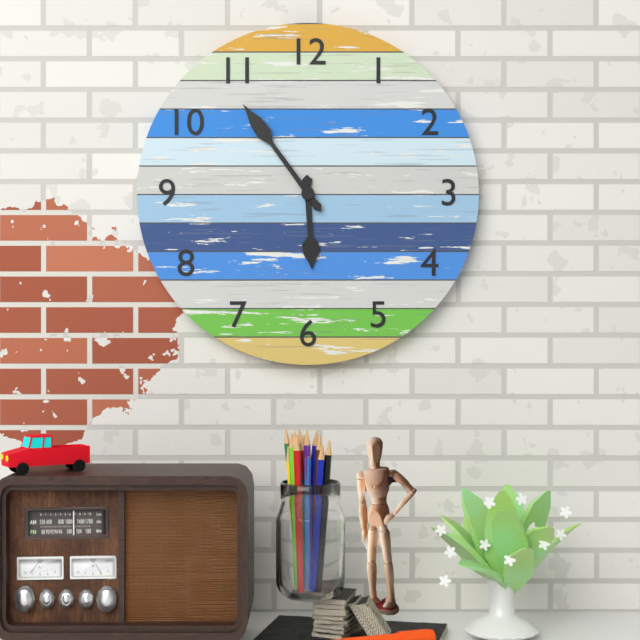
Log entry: 5 h 54 min
